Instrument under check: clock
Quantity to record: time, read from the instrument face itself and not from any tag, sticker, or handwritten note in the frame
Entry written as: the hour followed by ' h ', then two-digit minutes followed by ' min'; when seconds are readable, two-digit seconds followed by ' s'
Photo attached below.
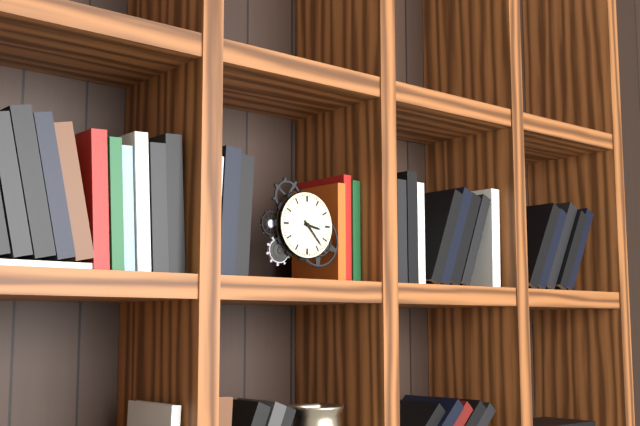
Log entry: 3 h 23 min
